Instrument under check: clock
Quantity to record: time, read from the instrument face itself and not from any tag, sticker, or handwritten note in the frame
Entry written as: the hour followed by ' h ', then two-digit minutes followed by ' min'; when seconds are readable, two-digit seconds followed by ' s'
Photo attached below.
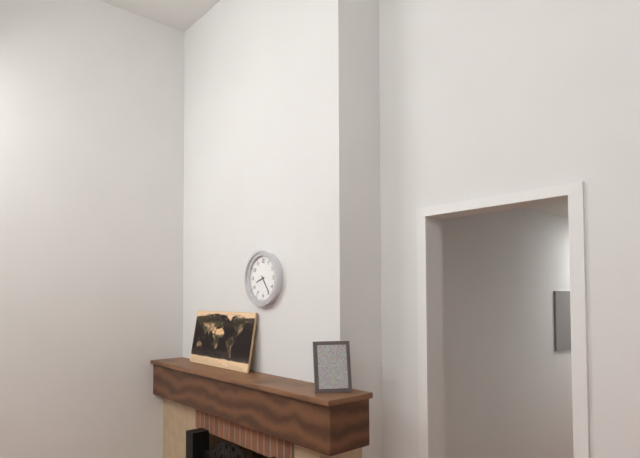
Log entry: 8 h 24 min
